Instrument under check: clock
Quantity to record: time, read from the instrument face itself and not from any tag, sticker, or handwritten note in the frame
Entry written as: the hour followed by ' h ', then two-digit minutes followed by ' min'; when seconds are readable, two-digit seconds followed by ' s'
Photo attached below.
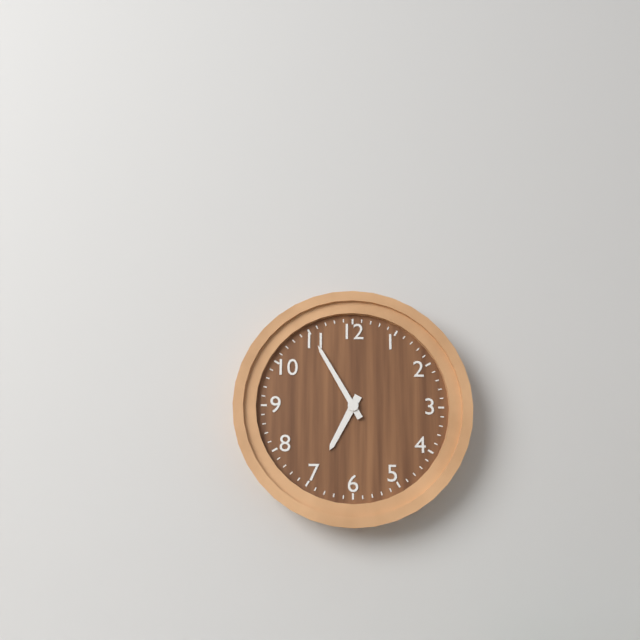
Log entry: 6 h 55 min
